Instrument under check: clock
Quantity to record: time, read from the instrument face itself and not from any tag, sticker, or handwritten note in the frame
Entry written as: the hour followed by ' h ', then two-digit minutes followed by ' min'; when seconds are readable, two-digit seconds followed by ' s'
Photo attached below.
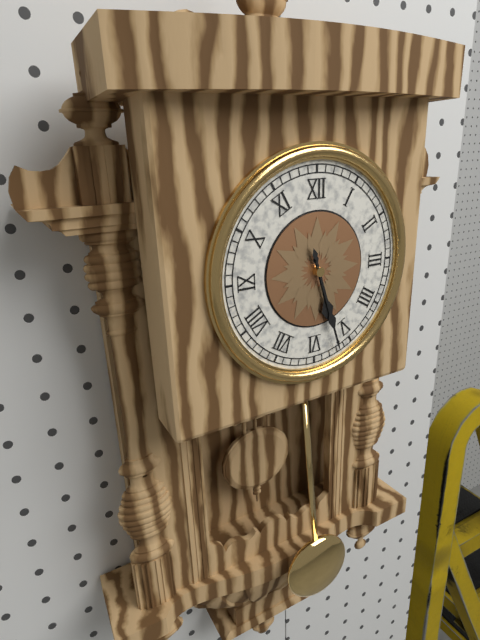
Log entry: 5 h 27 min
